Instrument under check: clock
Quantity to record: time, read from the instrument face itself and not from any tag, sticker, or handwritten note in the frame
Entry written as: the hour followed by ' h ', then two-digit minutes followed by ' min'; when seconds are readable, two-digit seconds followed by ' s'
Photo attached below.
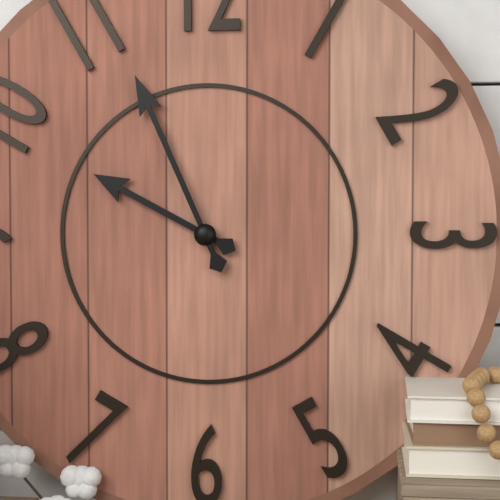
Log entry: 9 h 56 min
